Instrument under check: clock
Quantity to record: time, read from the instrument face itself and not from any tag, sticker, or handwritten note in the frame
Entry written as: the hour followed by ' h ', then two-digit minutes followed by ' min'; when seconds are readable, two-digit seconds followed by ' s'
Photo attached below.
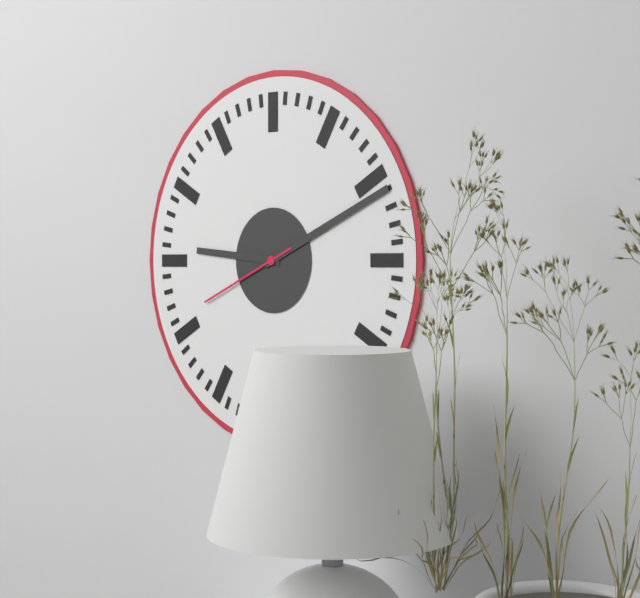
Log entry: 9 h 11 min 41 s
